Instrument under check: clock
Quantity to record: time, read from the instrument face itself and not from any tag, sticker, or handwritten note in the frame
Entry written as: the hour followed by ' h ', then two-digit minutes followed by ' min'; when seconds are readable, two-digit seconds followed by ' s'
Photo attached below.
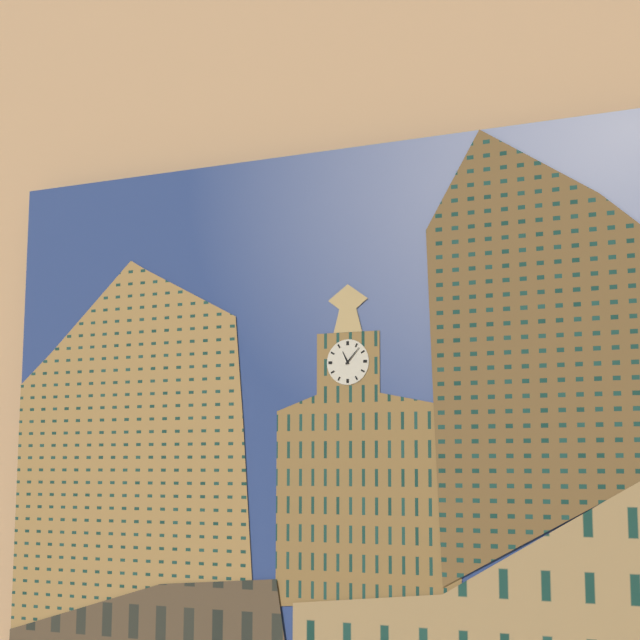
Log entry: 11 h 07 min
